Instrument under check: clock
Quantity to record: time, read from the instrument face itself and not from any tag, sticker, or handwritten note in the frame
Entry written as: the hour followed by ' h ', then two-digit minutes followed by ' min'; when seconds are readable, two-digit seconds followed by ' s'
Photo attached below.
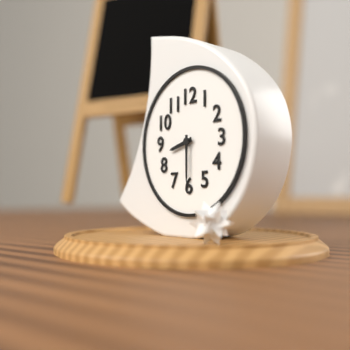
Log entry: 8 h 30 min
